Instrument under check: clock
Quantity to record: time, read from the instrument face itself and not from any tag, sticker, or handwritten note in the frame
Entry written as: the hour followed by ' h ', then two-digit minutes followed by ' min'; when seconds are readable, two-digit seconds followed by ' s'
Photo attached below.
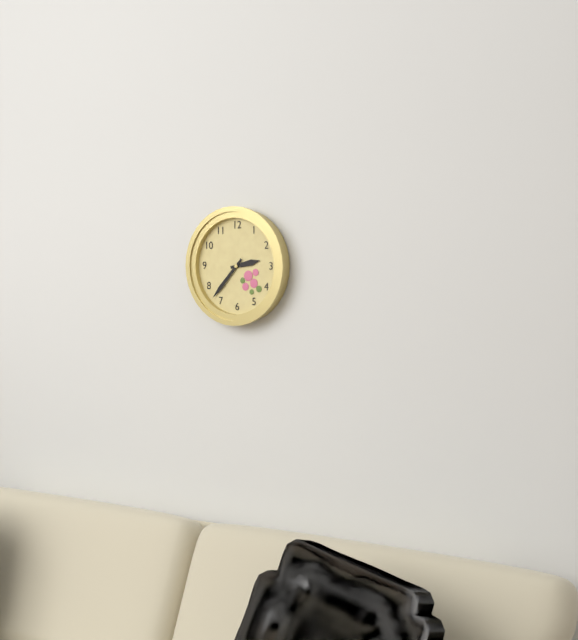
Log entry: 2 h 37 min
